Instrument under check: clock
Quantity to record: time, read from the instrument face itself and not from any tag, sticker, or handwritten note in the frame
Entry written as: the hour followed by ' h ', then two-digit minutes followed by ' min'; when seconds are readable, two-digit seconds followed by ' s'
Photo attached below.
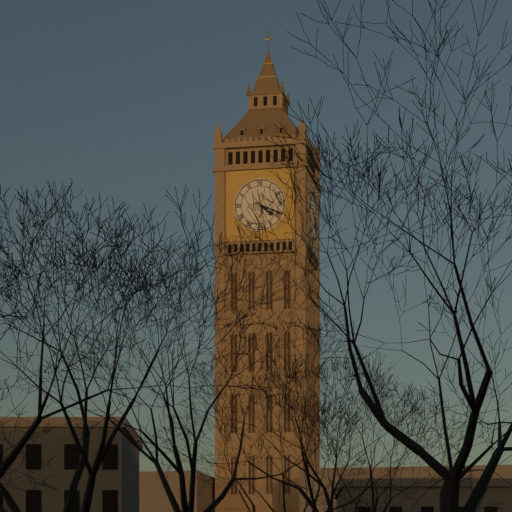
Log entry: 4 h 19 min
